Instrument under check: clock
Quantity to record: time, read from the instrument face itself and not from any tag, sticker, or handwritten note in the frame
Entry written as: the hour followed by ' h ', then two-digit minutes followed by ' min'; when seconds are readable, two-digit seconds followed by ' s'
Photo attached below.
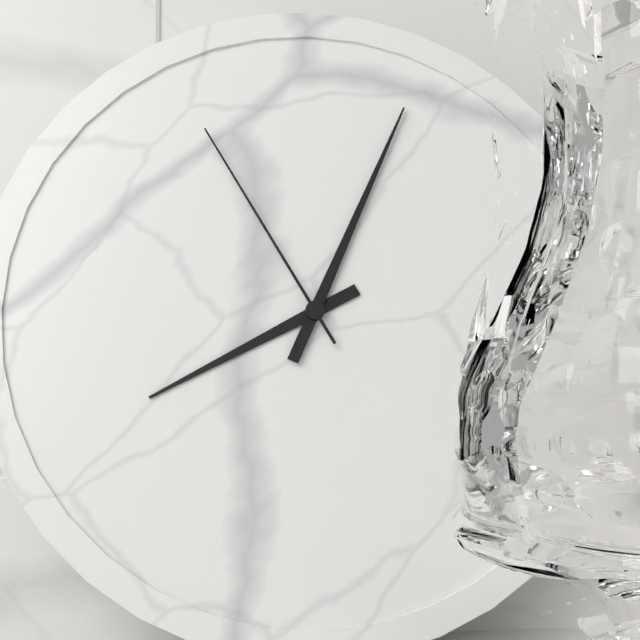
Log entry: 8 h 04 min 55 s
